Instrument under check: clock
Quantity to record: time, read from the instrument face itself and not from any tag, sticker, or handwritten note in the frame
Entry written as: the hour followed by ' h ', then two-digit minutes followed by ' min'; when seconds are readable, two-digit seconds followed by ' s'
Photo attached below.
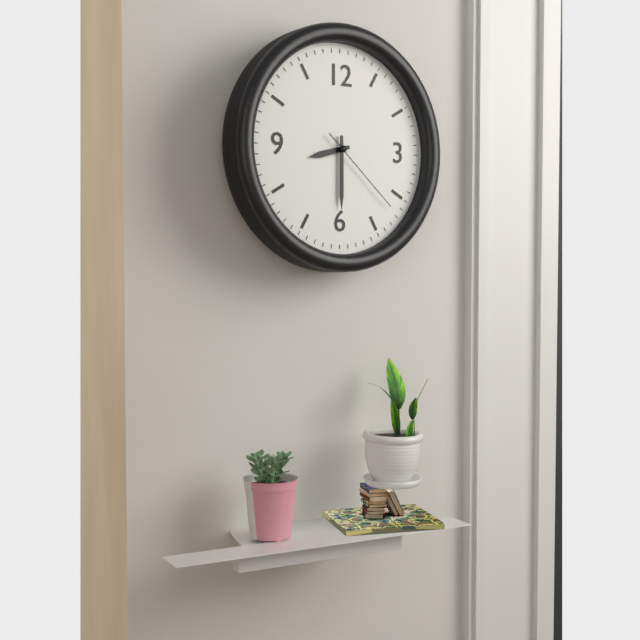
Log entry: 8 h 30 min 22 s
